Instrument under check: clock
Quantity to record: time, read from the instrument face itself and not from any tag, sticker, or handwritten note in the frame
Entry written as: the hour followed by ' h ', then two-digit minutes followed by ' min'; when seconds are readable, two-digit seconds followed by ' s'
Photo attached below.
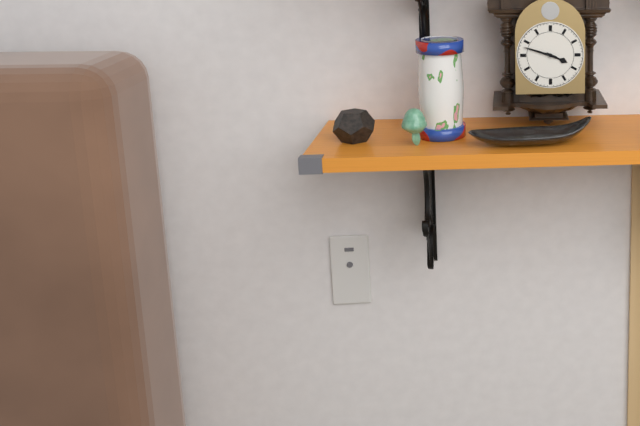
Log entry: 3 h 48 min
